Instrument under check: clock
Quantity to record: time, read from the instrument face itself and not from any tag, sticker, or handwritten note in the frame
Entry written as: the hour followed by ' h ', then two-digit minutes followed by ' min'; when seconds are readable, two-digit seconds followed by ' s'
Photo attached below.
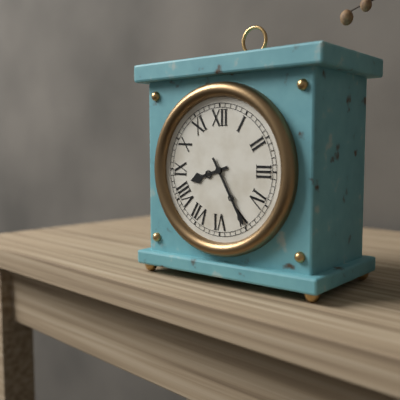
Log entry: 8 h 25 min
